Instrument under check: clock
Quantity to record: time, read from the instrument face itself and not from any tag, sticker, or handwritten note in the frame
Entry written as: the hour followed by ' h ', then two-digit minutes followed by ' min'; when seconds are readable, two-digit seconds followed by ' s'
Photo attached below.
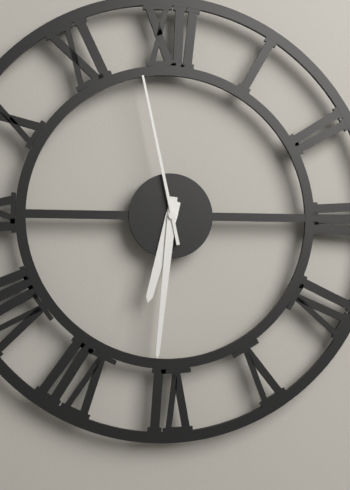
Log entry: 6 h 31 min 58 s
